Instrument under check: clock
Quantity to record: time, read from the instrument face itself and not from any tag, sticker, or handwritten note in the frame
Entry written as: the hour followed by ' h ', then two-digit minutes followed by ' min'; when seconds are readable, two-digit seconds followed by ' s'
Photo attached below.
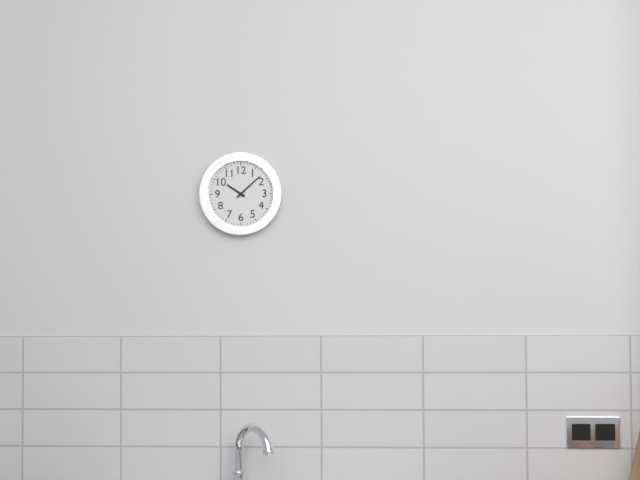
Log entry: 10 h 08 min
